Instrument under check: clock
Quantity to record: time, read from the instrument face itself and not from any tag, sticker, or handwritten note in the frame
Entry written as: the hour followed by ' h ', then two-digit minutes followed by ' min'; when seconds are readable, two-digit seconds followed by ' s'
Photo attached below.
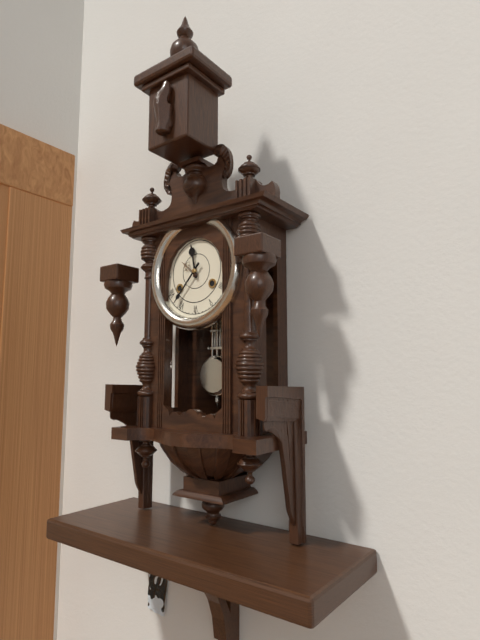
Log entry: 11 h 37 min
